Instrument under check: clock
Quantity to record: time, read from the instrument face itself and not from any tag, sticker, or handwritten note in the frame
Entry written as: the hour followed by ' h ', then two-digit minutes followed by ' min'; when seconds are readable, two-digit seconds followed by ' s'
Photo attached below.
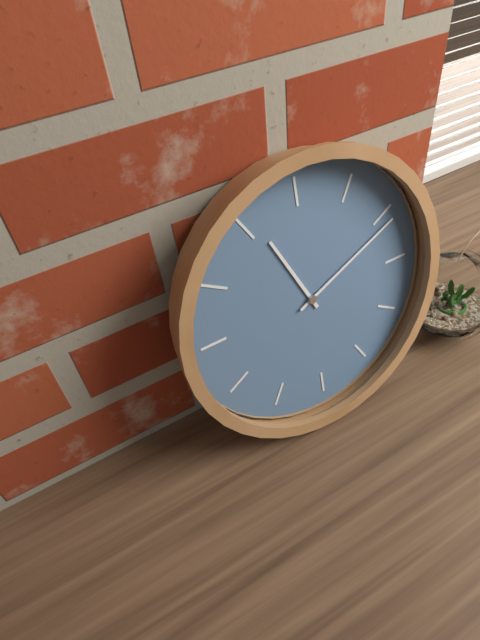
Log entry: 11 h 11 min
